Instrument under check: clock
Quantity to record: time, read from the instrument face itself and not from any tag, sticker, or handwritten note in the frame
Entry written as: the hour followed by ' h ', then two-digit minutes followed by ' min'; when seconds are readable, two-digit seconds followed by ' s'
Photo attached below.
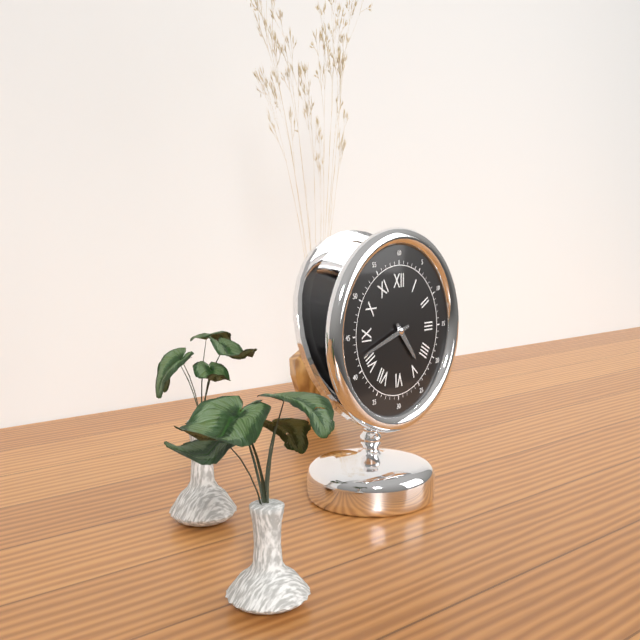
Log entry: 4 h 42 min
